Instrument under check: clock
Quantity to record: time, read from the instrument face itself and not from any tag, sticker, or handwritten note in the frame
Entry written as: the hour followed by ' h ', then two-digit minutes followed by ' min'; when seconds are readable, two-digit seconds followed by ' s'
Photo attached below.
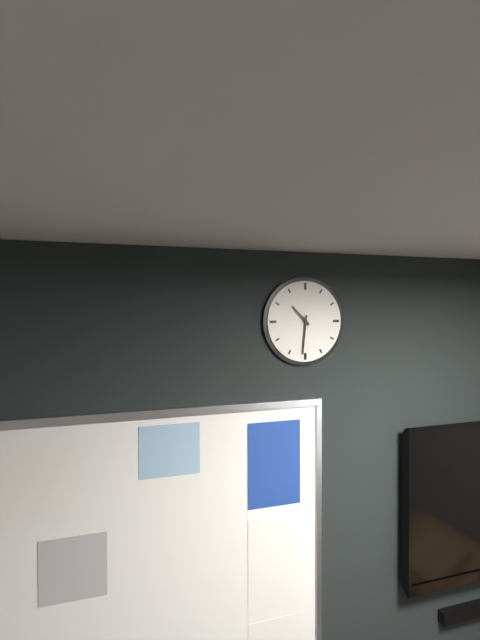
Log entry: 10 h 31 min
